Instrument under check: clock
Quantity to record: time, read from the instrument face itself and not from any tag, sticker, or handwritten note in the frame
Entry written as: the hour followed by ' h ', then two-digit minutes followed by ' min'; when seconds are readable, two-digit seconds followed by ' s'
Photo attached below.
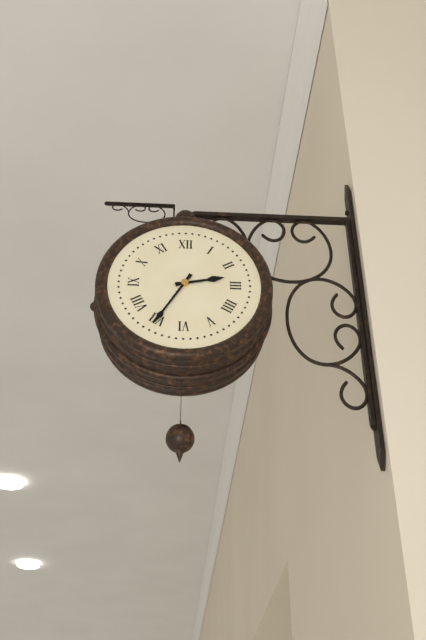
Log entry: 2 h 35 min
